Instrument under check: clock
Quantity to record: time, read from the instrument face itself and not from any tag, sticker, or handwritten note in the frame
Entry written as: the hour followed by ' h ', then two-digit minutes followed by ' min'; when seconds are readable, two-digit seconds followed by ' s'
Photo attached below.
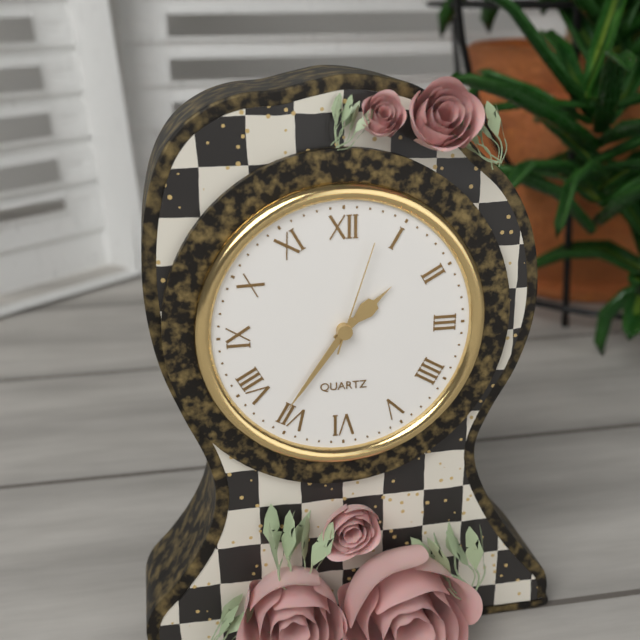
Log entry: 1 h 36 min 03 s
